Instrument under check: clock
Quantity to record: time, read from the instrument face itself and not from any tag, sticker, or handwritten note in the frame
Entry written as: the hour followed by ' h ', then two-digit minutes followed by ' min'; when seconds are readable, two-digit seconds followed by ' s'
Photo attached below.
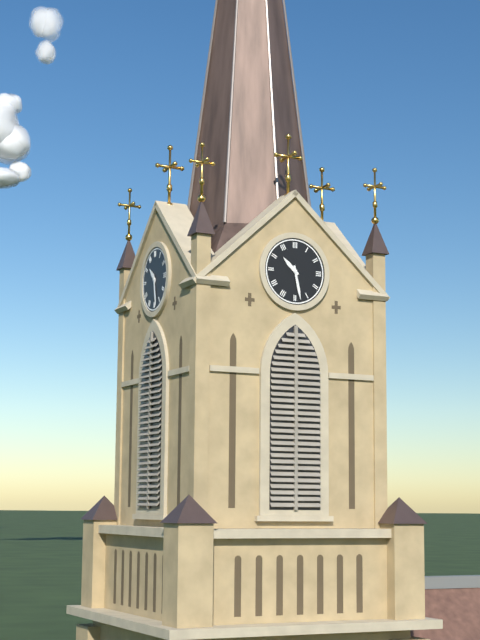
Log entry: 10 h 28 min
